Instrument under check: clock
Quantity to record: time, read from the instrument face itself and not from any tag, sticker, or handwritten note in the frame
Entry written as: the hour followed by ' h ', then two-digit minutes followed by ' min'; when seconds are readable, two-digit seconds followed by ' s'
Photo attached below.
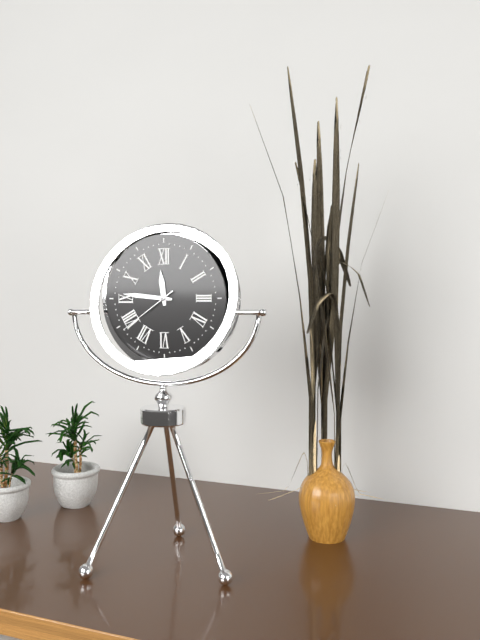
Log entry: 11 h 46 min 39 s
